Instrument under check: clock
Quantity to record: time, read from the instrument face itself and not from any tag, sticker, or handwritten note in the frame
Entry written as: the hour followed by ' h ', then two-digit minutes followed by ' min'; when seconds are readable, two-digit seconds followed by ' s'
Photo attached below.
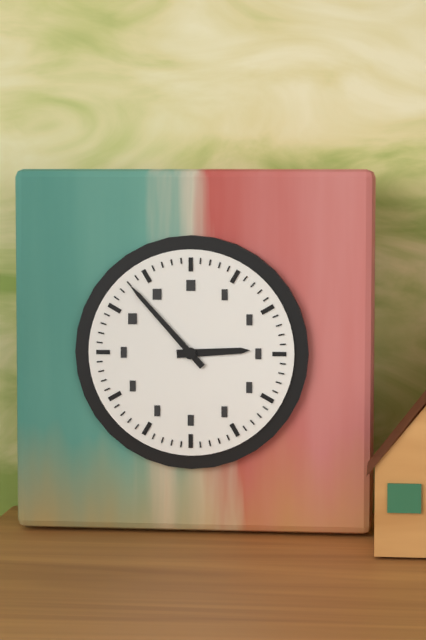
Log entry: 2 h 53 min
